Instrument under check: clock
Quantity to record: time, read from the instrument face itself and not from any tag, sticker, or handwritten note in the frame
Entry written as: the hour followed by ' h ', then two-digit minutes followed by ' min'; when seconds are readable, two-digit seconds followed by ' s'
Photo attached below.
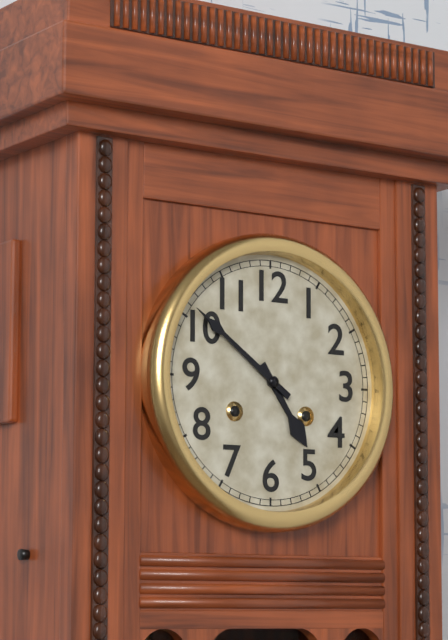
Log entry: 4 h 51 min
